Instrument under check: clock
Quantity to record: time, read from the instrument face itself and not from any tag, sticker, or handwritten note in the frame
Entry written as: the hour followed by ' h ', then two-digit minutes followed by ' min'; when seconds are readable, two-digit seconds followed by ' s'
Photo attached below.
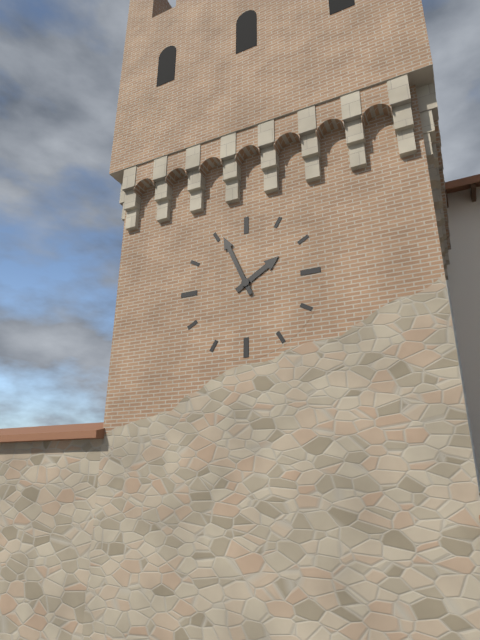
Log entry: 1 h 56 min
